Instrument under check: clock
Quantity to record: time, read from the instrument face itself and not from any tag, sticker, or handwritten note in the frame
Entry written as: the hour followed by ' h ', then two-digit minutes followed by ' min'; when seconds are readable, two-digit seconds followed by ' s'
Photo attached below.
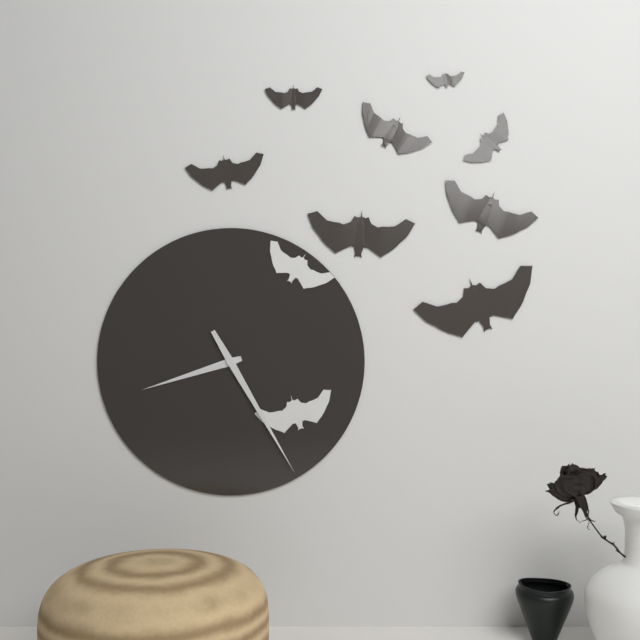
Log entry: 8 h 25 min
